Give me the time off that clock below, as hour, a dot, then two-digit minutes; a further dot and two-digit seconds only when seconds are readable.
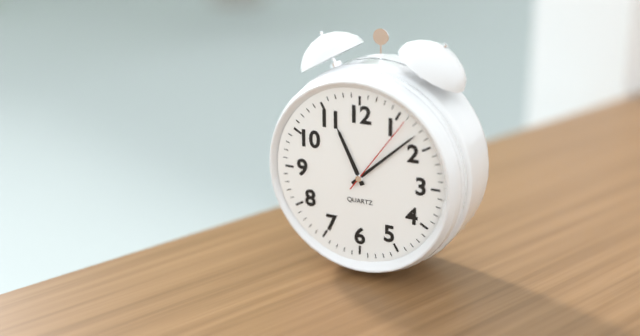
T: 11.08.06
